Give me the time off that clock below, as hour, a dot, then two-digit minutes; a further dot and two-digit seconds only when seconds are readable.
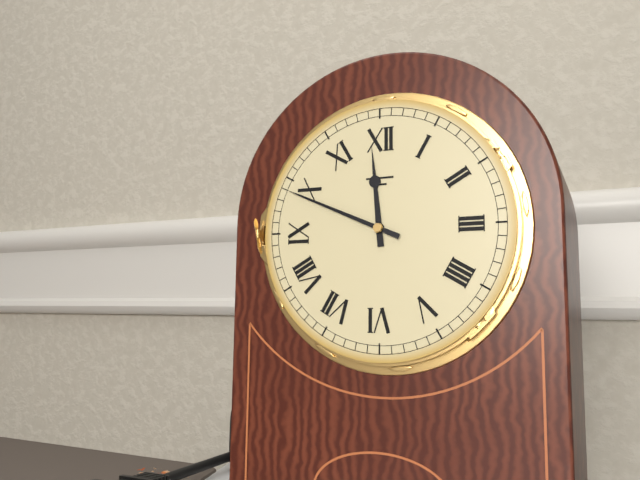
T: 11.49
